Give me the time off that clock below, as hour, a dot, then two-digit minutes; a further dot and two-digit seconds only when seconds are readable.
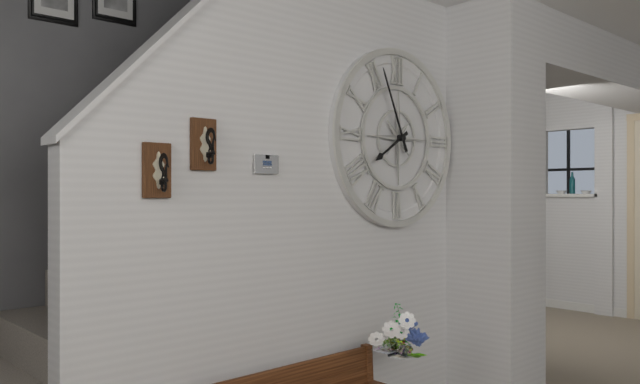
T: 7.56
